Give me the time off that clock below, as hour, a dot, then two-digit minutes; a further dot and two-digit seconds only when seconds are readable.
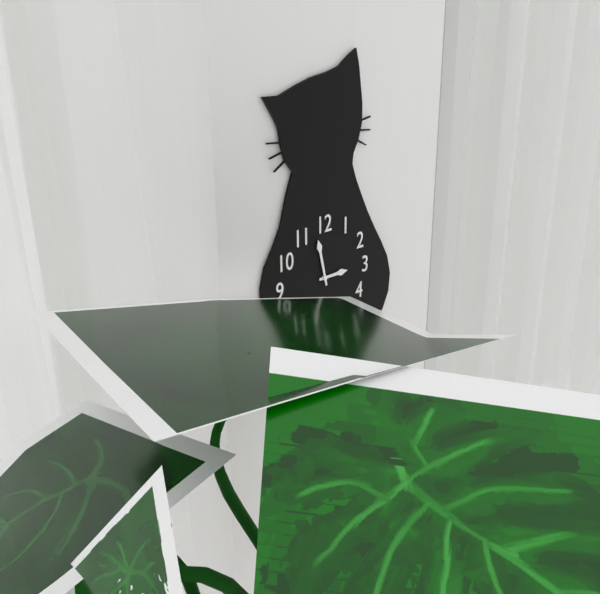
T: 2.58
